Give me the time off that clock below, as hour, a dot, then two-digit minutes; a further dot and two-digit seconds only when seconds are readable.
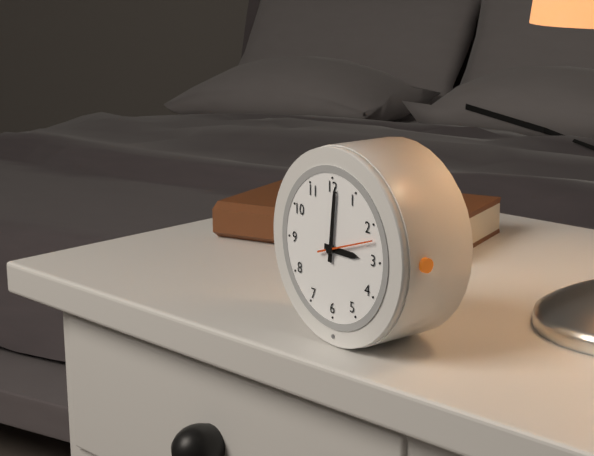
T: 3.01
